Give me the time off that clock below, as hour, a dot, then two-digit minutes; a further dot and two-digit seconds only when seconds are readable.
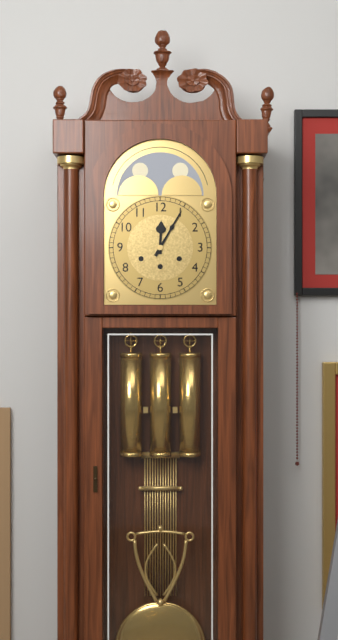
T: 12.05
